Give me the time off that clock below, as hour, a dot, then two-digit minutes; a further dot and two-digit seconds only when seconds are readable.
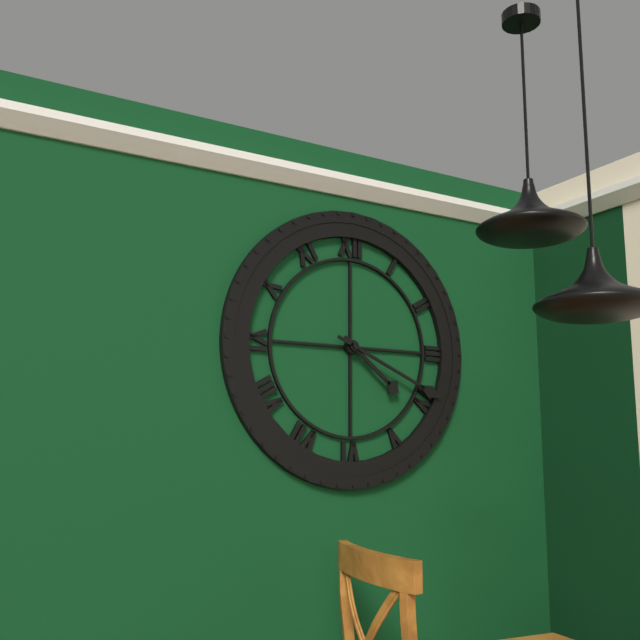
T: 4.19
